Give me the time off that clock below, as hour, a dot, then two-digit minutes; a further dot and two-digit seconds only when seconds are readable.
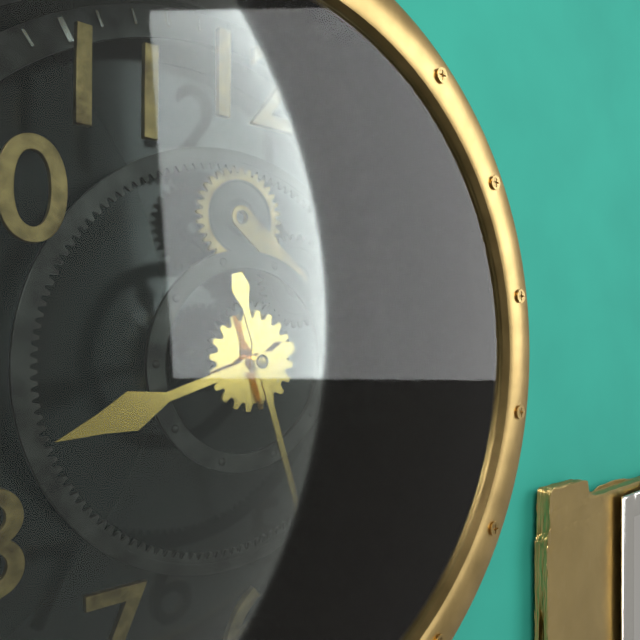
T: 8.27
